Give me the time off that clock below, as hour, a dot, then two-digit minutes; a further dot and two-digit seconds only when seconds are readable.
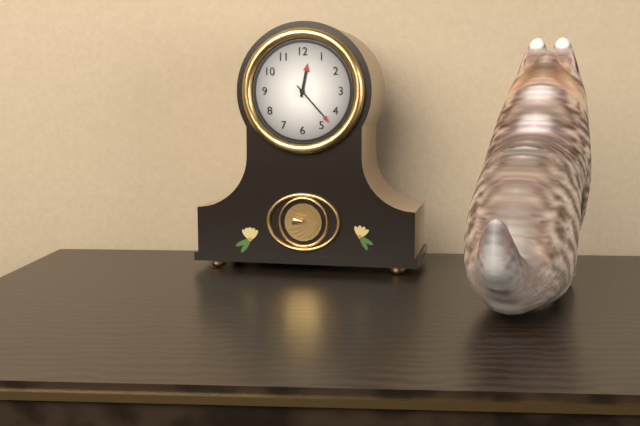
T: 12.23
